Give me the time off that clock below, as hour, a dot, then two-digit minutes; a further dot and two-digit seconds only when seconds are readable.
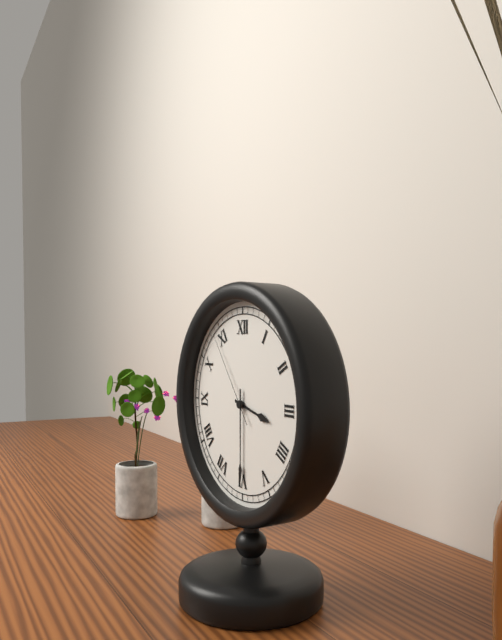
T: 3.30.54
